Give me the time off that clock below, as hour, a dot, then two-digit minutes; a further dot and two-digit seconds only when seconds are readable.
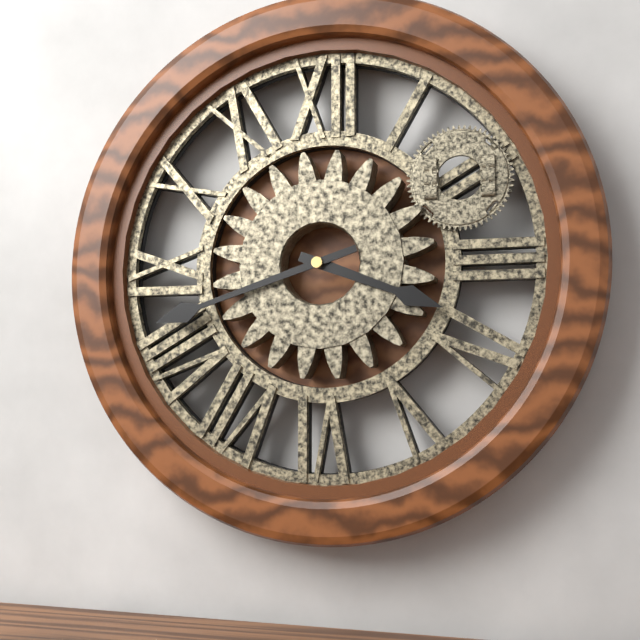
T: 3.42
